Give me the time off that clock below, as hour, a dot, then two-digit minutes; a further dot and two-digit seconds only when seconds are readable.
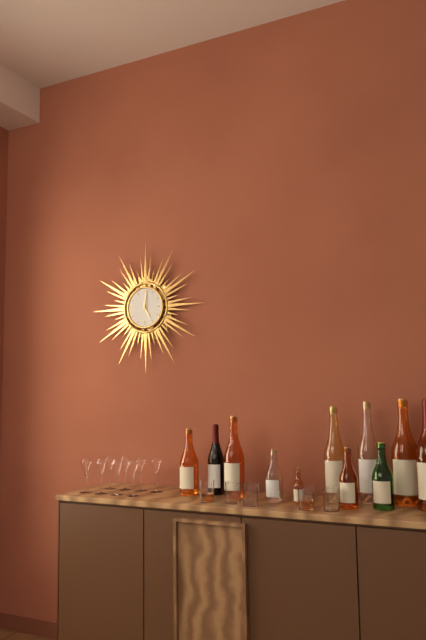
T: 5.01
